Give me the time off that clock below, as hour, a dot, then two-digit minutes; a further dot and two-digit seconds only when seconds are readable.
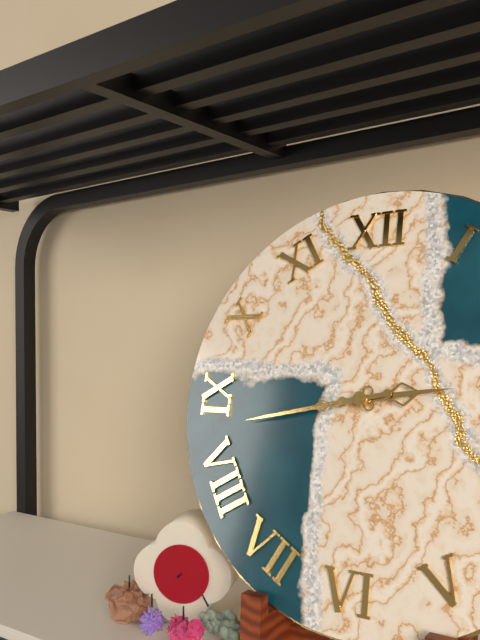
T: 2.43
